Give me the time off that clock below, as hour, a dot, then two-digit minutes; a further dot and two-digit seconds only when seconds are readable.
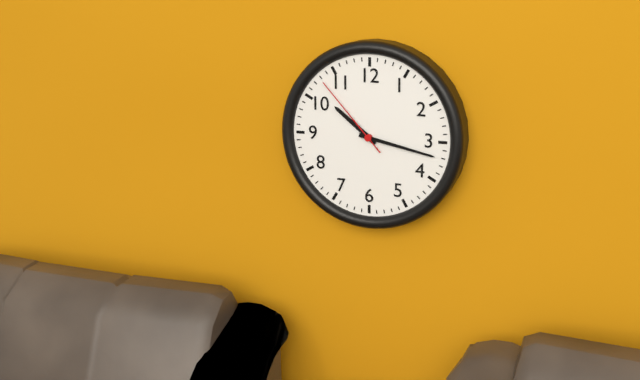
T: 10.17.53
